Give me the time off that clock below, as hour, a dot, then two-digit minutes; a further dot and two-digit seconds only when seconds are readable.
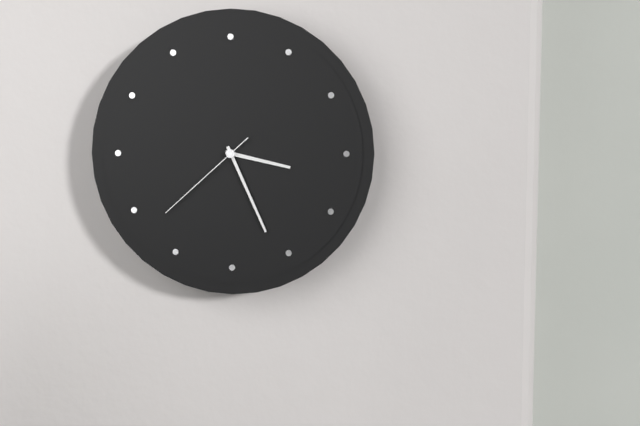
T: 3.26.38
